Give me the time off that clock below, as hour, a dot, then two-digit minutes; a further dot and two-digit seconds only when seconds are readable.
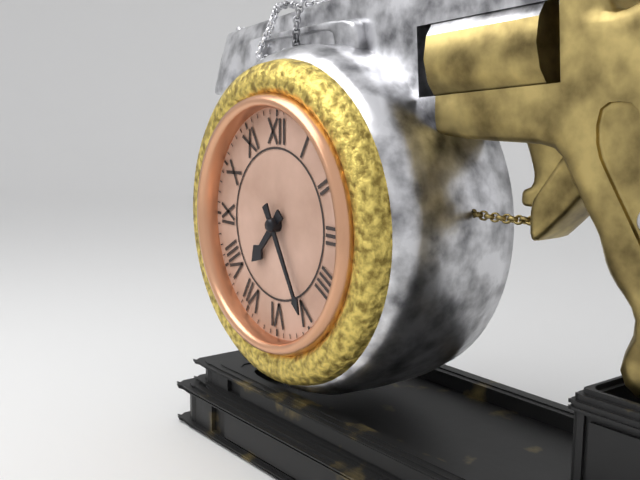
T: 7.25
